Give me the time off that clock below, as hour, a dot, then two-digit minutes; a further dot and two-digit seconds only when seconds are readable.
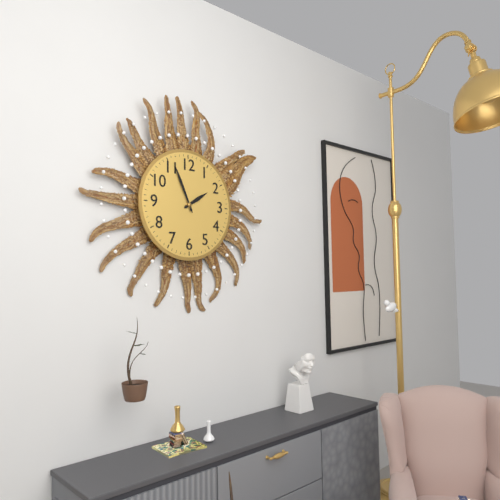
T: 1.56
